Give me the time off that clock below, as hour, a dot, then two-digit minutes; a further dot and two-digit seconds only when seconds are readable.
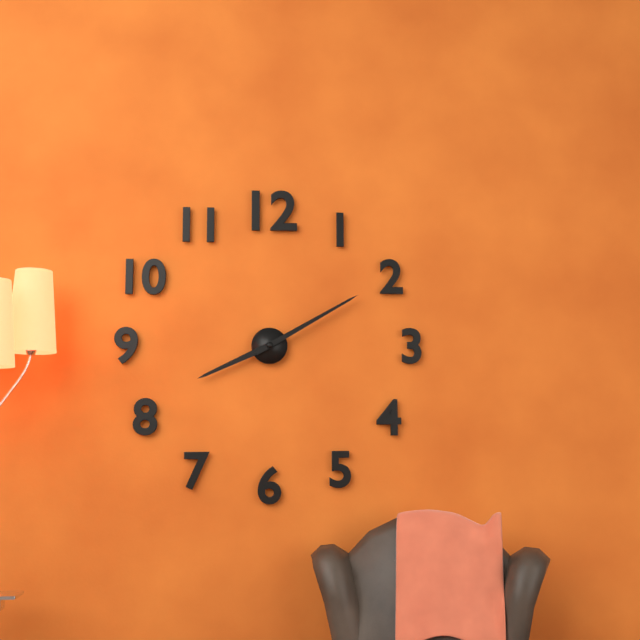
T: 8.10
